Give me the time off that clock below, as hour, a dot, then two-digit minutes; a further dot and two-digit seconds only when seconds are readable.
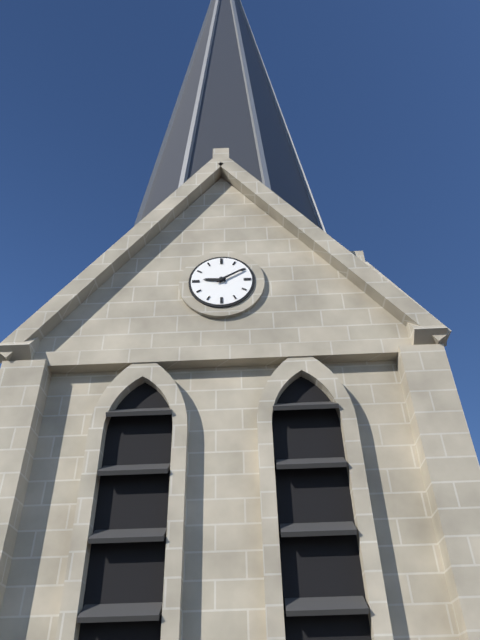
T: 9.10
